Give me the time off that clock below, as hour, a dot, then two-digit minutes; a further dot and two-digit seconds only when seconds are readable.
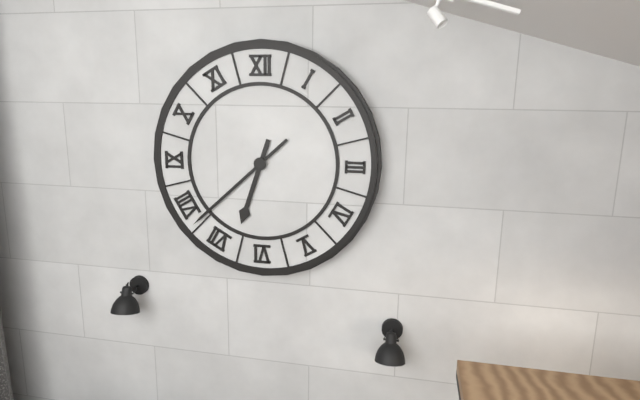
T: 6.38
